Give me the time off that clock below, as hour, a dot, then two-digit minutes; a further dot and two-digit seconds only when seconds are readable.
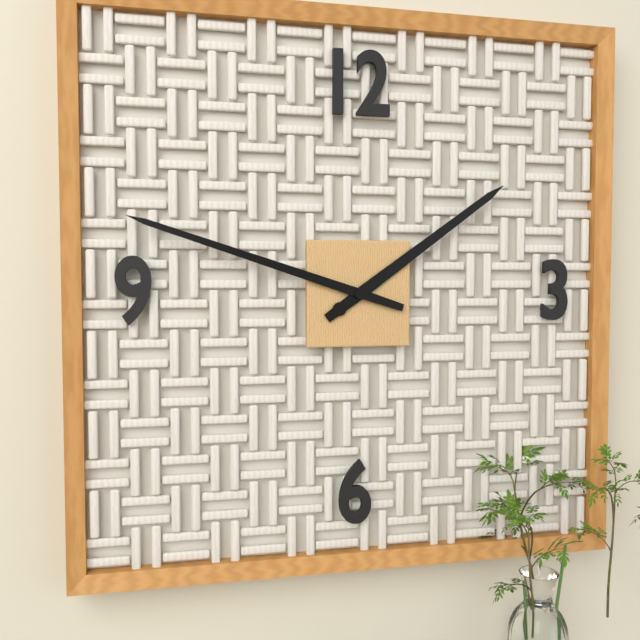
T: 1.48
